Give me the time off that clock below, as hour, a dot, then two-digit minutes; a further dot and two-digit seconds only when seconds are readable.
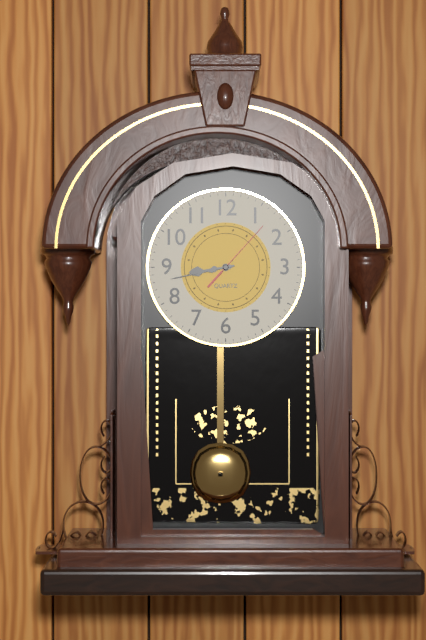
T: 8.43.07
